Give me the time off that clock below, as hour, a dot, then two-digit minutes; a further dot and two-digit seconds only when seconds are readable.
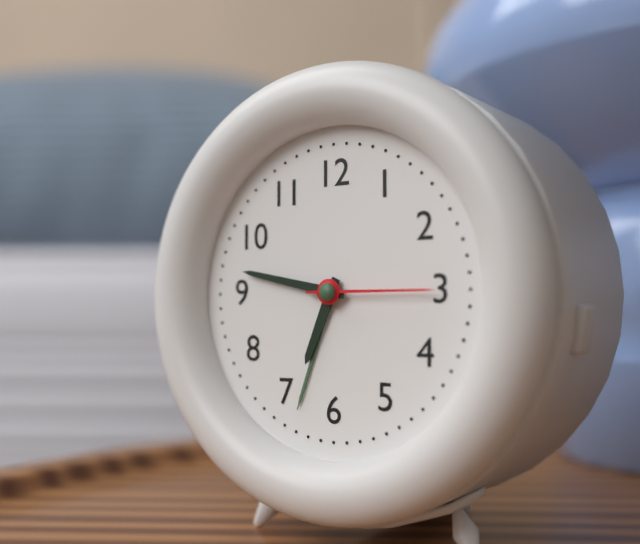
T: 6.47.15
